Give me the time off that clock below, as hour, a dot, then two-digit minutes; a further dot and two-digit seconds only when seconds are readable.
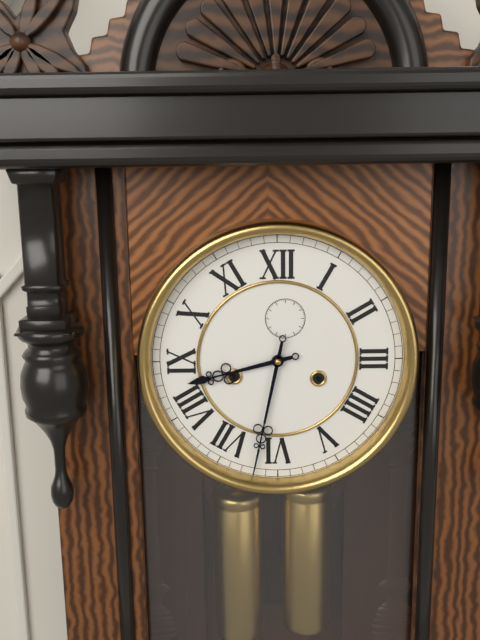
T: 8.32
